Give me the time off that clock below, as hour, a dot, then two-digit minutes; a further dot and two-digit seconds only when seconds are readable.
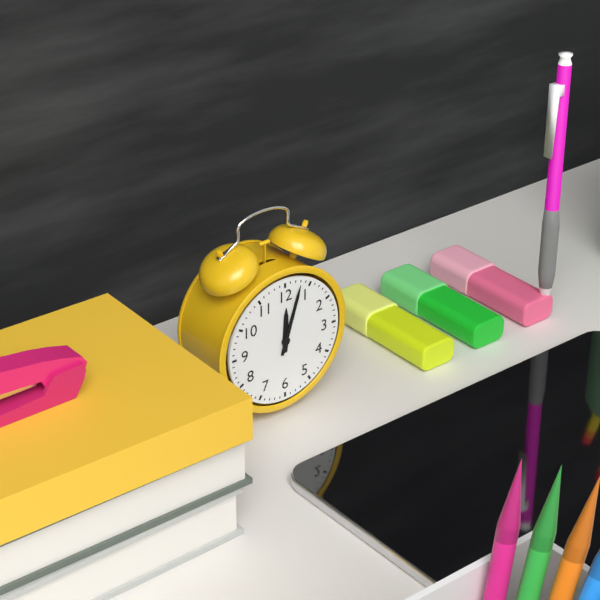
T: 12.03
